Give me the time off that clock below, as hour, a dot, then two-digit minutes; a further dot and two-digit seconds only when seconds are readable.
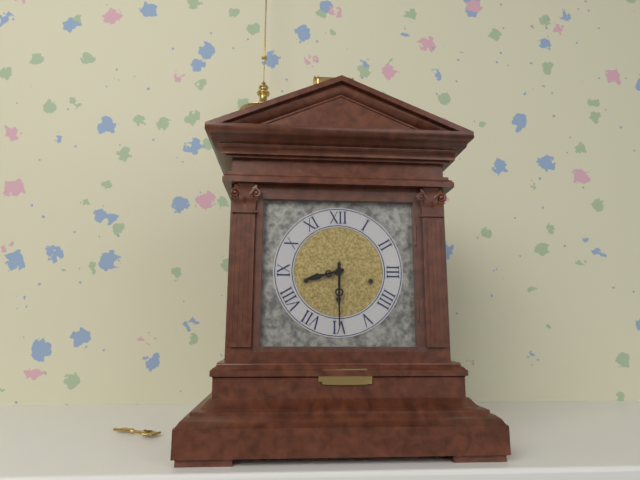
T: 8.30
